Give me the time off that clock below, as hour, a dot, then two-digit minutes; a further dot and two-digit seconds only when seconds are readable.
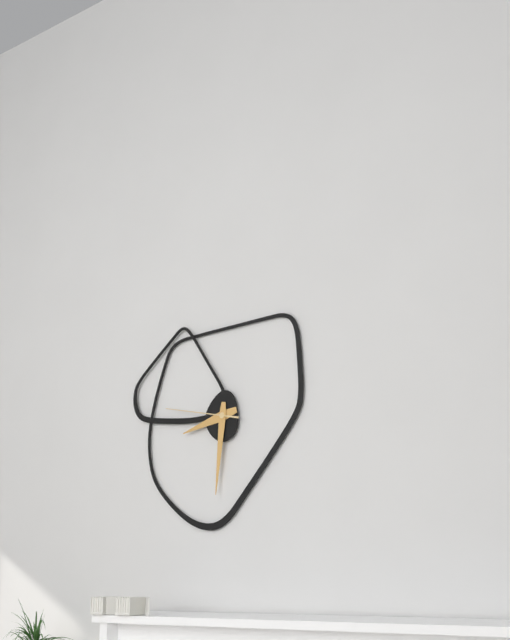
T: 8.31.47
